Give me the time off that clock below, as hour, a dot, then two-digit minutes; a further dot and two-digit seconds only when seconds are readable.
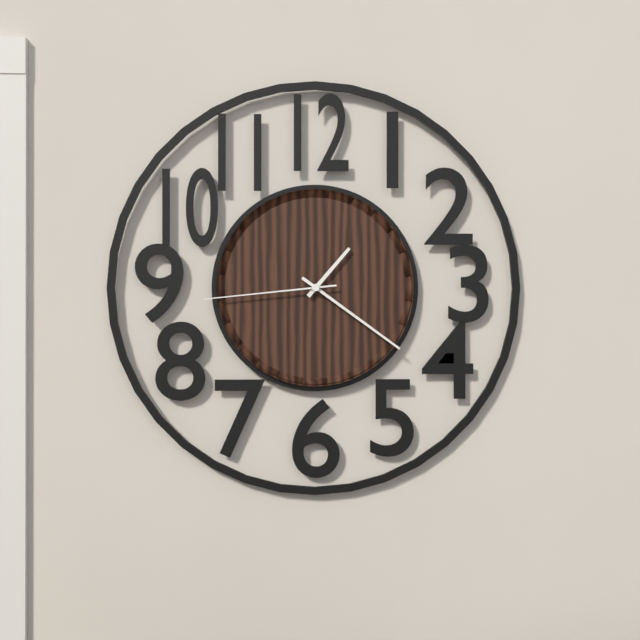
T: 1.21.44
